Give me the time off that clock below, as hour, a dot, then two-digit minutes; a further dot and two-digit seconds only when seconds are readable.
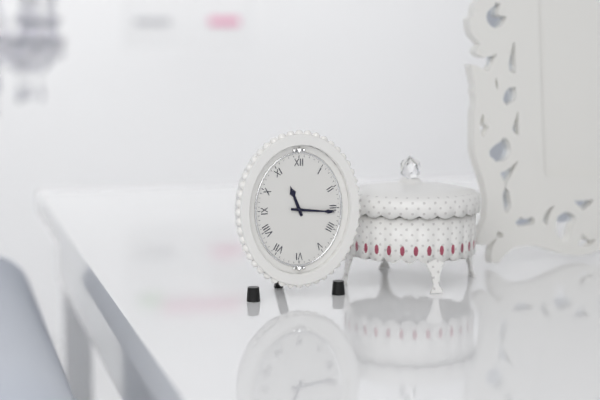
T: 11.16
